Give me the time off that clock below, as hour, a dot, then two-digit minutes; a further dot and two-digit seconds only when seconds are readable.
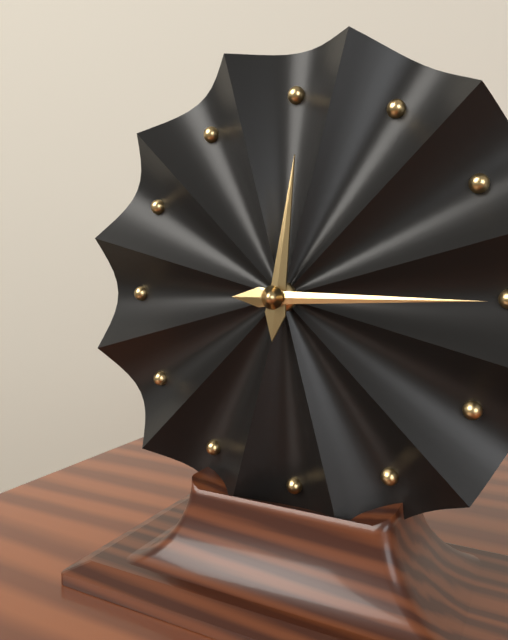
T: 12.15
